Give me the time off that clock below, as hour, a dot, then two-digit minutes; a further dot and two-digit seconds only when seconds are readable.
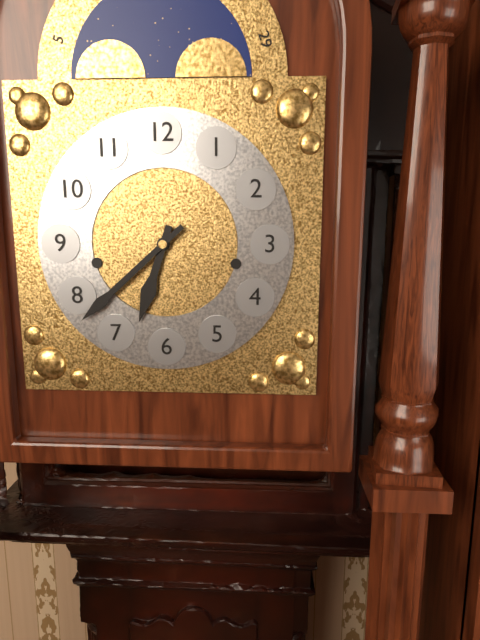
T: 6.38
